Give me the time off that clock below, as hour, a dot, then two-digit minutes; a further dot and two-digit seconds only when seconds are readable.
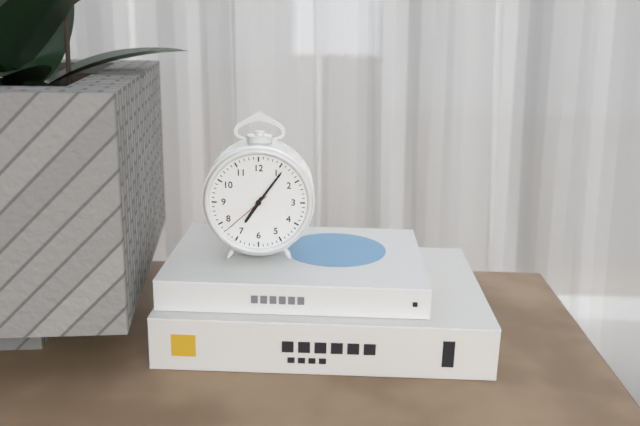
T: 7.06.38
